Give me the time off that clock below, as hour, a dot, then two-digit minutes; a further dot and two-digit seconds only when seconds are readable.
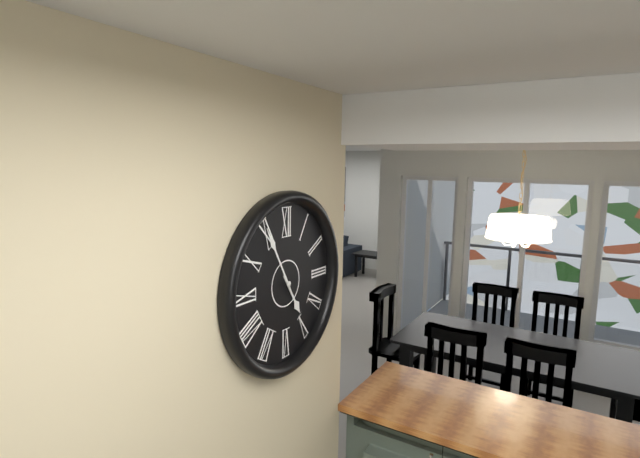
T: 4.55
